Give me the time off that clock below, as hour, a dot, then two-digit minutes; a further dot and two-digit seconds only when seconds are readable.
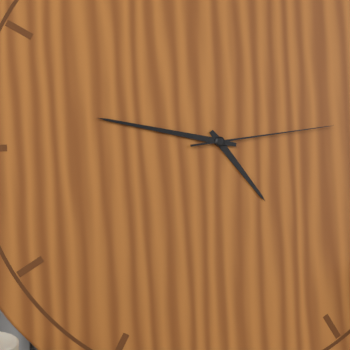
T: 4.47.14
